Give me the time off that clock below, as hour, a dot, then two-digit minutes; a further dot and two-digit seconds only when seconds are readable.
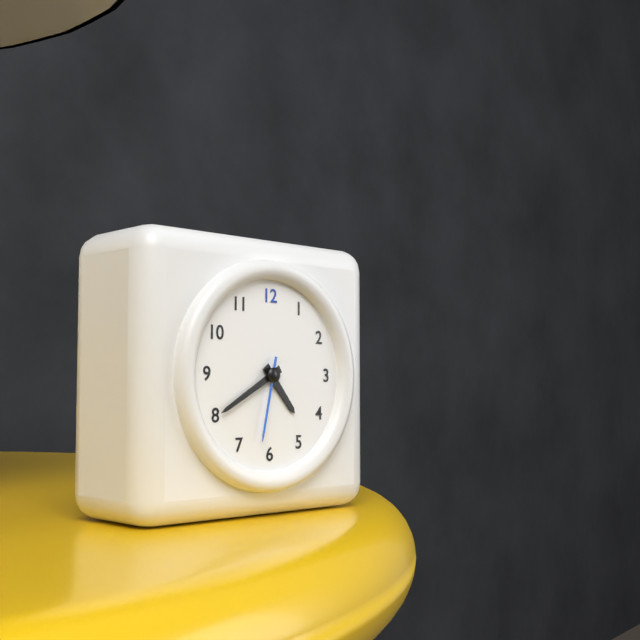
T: 4.40.32
